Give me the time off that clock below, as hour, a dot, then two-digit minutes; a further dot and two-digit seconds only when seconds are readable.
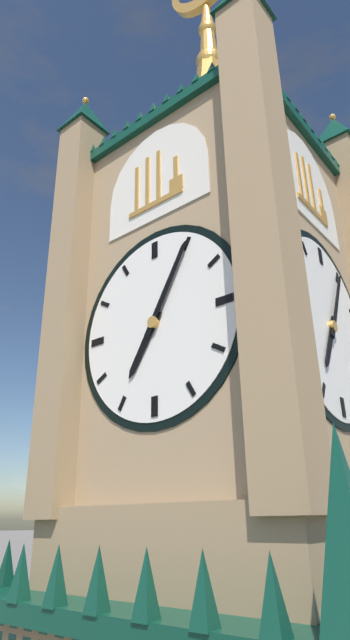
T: 7.05
